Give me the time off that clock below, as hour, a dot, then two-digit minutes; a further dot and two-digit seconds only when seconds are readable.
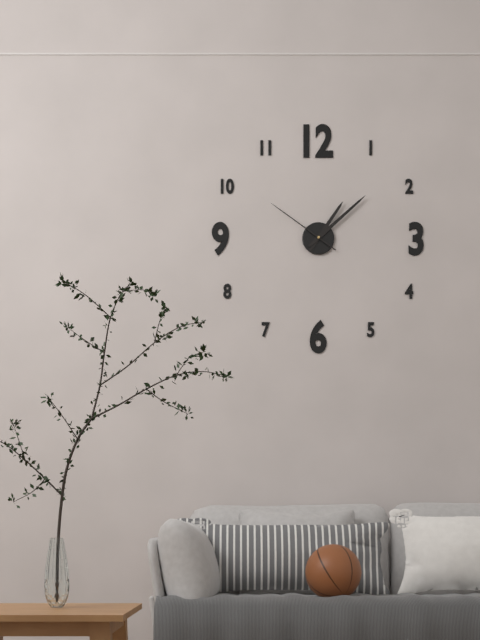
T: 1.08.51
